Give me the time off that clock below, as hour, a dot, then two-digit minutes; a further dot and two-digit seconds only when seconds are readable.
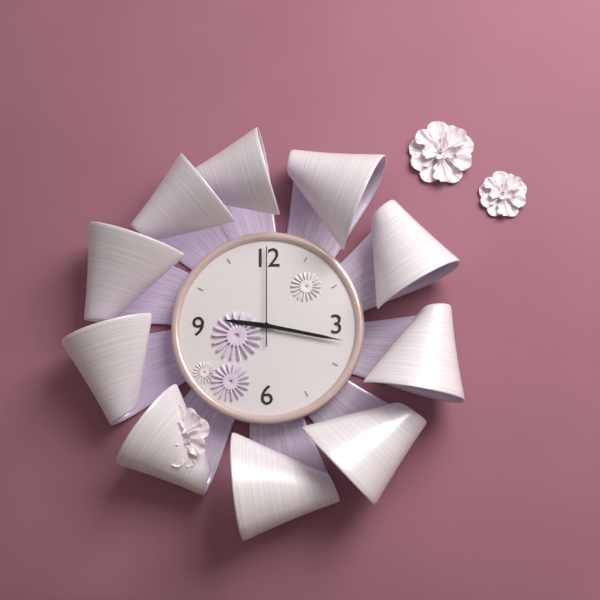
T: 9.17.00
